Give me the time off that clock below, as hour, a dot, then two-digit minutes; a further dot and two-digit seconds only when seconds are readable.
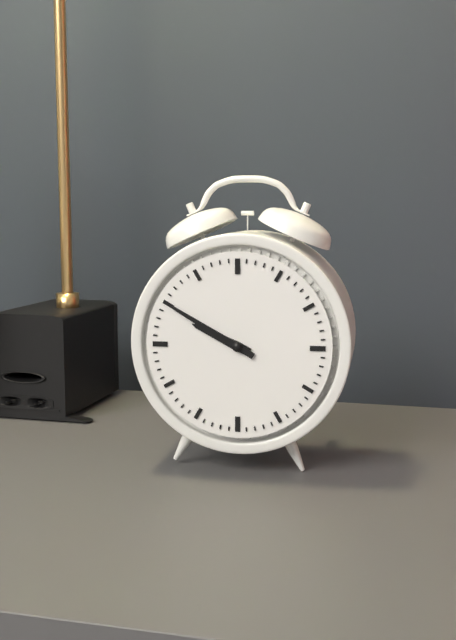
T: 9.50
